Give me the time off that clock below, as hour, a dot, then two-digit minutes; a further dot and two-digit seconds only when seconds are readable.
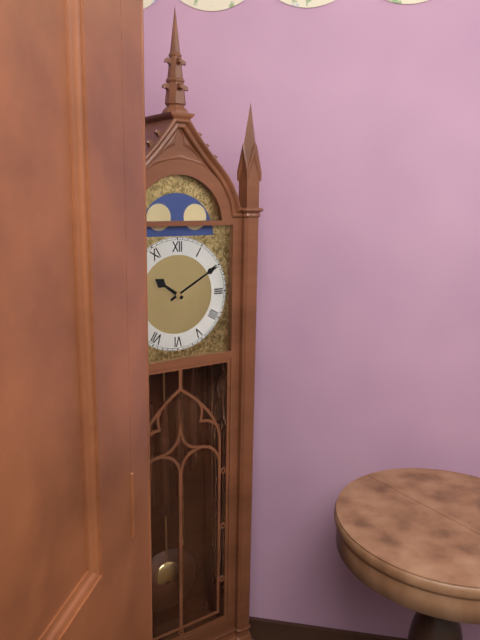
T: 10.10
